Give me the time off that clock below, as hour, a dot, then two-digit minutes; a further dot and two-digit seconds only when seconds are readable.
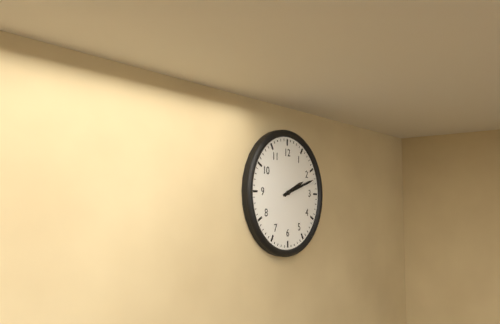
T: 2.12
